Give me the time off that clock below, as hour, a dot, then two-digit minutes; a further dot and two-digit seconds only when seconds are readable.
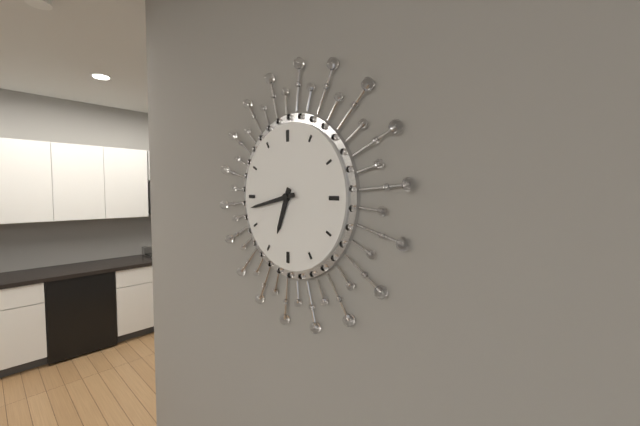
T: 6.43
